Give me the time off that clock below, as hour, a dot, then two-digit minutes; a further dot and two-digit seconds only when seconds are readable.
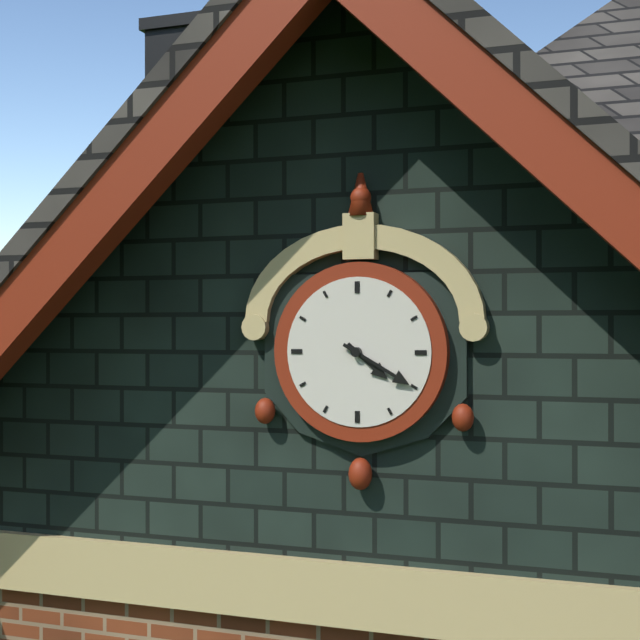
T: 4.20
